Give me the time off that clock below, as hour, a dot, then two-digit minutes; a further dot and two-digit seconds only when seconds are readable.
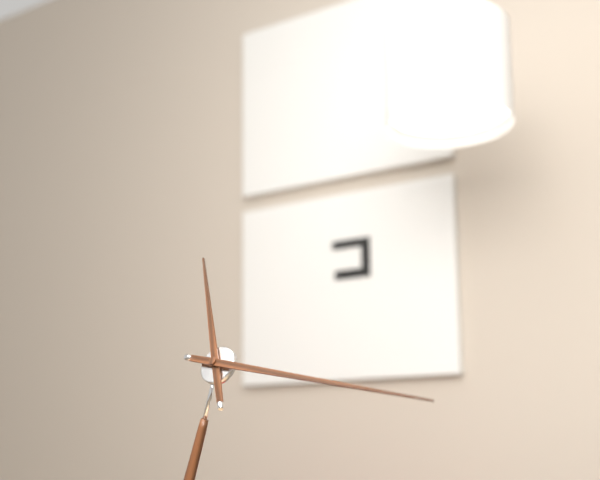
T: 11.17
